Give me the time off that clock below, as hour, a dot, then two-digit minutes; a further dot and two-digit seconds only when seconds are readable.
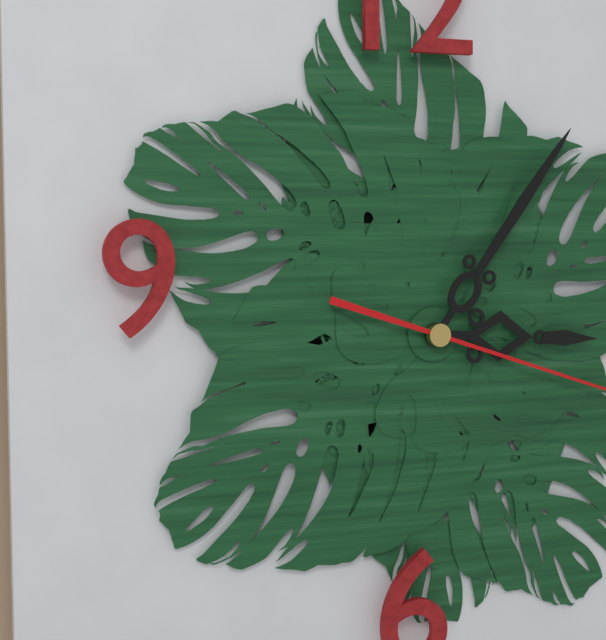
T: 3.06
